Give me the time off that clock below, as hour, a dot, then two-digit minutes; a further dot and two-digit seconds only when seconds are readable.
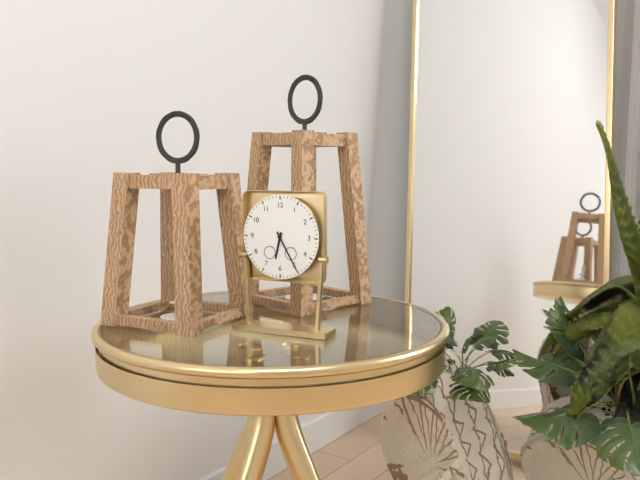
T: 6.25
